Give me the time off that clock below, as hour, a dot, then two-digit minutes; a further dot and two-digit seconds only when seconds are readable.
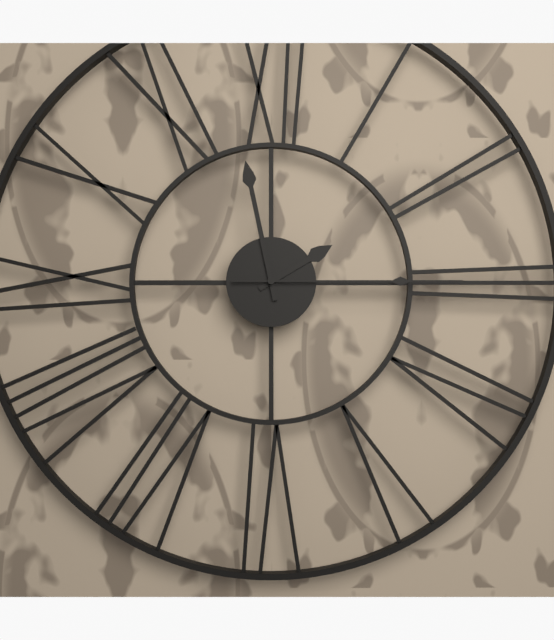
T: 1.58.15
